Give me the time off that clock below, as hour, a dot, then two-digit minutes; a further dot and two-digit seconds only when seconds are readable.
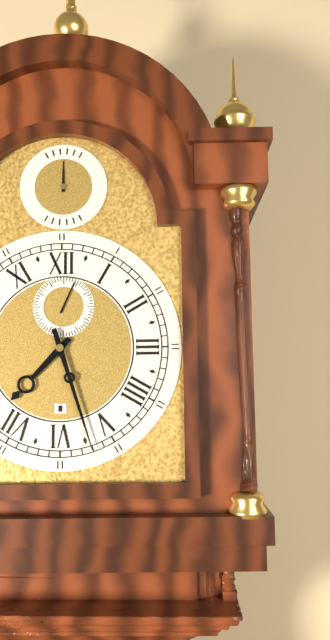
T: 7.27
